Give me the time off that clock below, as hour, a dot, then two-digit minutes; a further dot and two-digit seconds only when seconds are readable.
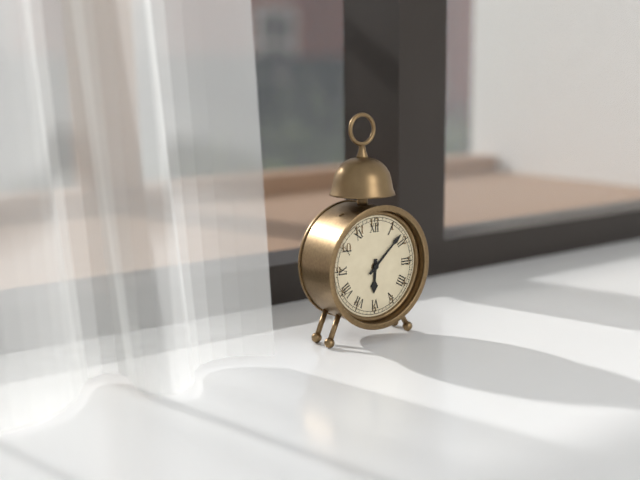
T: 6.08
